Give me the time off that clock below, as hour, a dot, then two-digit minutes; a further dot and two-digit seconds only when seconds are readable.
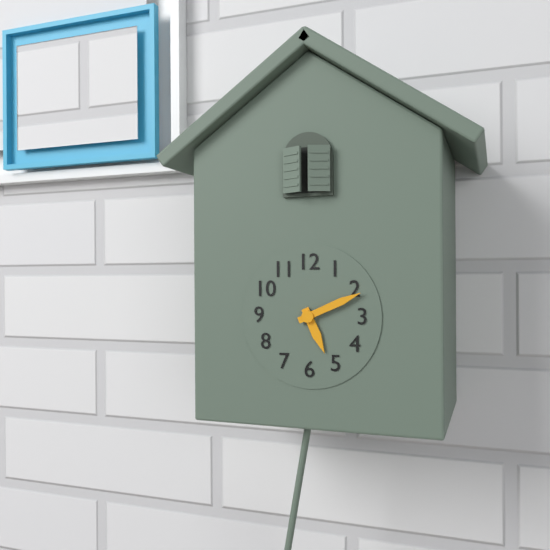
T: 5.11
